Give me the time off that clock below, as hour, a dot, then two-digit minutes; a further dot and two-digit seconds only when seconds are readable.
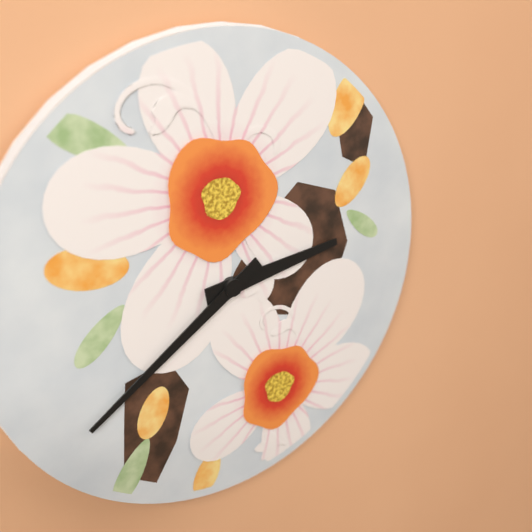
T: 2.39
